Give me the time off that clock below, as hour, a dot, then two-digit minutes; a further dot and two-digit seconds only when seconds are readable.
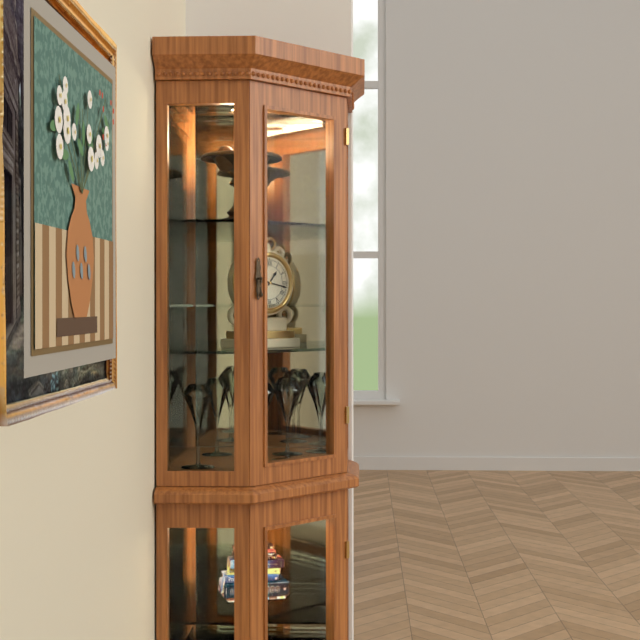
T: 1.17
